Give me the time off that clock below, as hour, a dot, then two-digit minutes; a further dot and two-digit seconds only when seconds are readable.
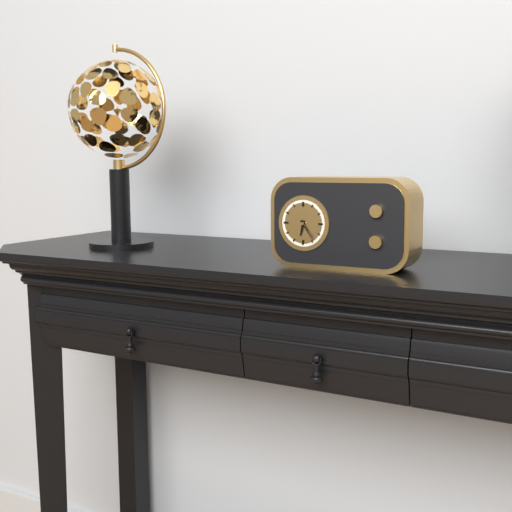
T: 6.24
